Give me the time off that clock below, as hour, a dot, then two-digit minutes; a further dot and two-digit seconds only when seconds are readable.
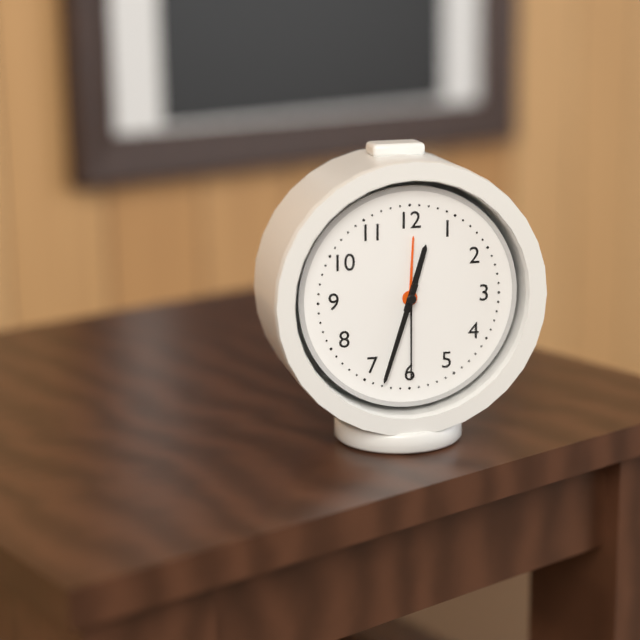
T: 12.33.30
